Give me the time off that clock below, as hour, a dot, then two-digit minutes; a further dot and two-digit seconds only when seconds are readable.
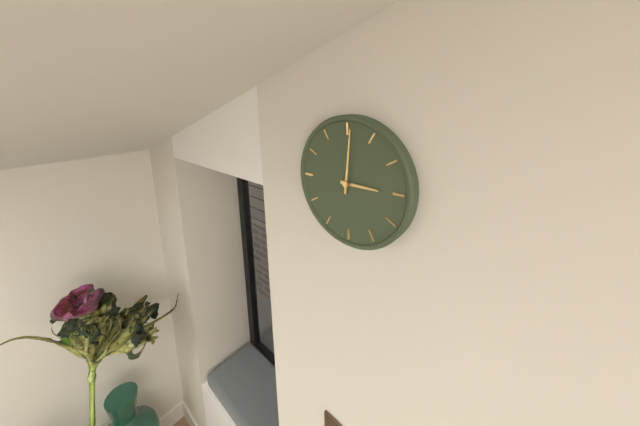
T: 3.01
